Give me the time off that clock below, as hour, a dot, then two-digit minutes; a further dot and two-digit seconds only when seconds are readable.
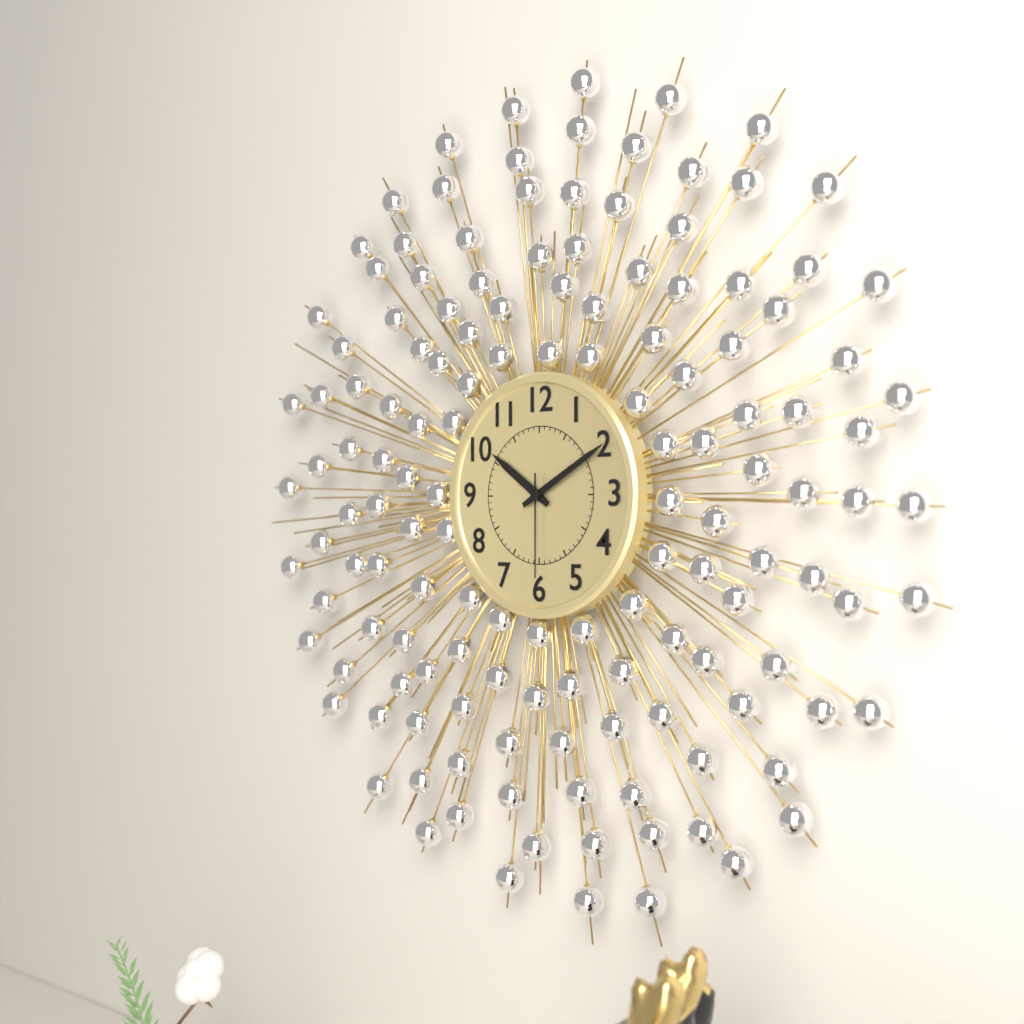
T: 10.10.30
